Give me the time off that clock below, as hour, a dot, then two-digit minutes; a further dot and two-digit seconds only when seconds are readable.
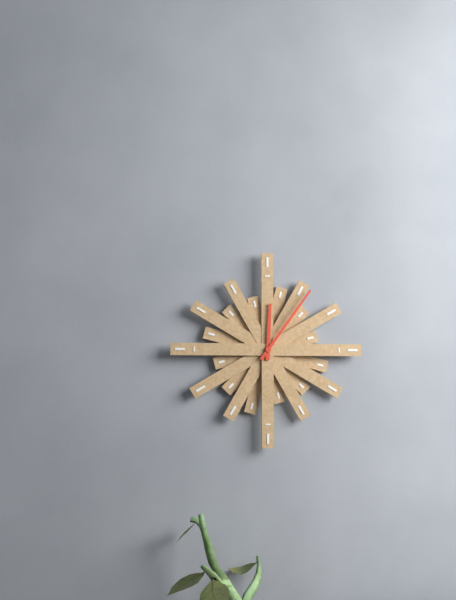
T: 12.06
